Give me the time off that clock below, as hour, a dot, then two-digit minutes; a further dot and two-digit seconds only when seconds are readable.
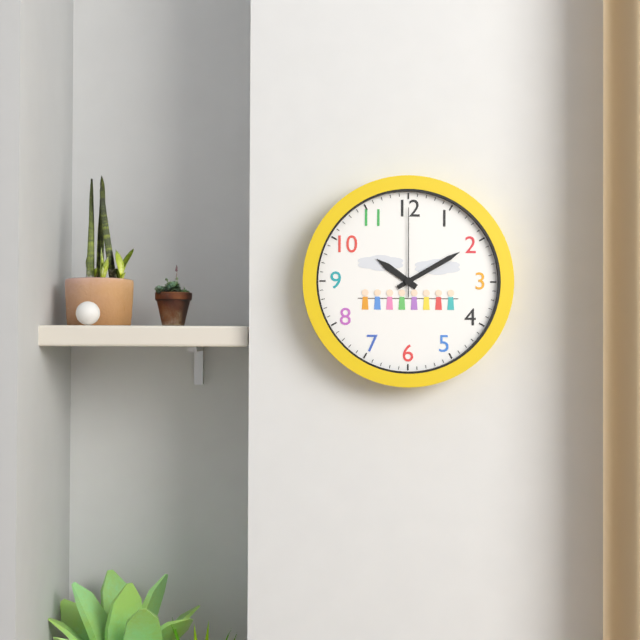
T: 10.10.00
